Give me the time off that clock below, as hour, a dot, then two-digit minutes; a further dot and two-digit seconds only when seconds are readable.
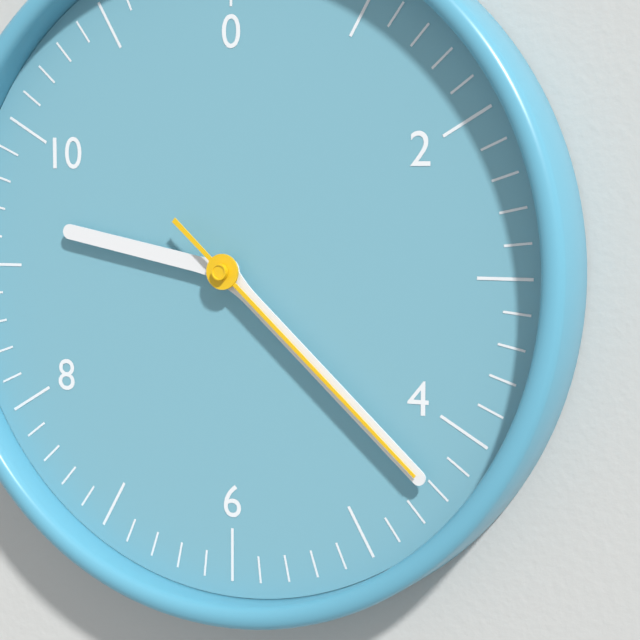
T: 9.22.22
